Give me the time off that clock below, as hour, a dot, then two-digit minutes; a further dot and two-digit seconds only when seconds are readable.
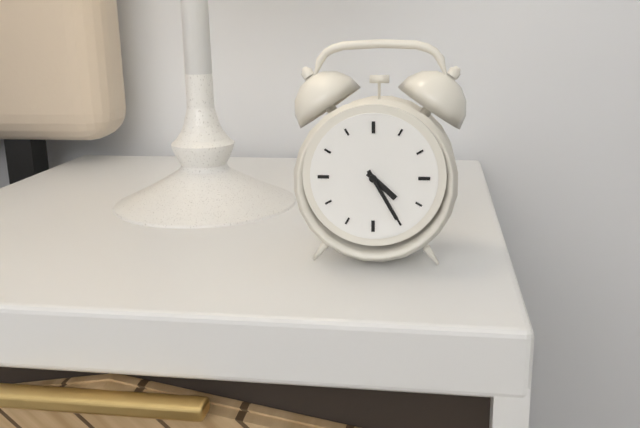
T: 4.25
